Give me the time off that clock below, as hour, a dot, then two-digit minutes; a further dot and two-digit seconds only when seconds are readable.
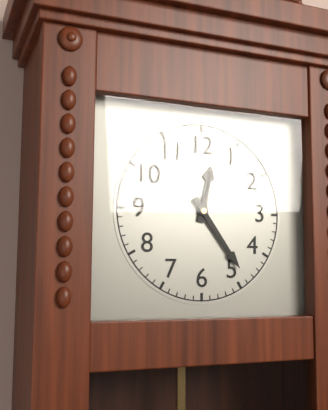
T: 12.24
